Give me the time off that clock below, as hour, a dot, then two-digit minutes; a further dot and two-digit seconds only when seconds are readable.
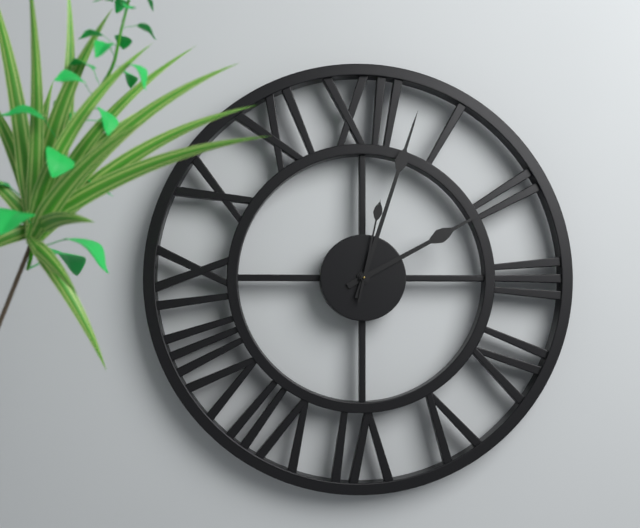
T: 2.03.02
